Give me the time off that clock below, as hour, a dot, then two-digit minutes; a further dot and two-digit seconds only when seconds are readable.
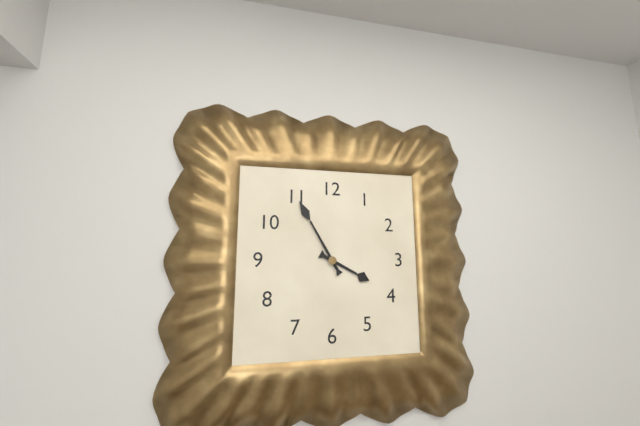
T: 3.55
